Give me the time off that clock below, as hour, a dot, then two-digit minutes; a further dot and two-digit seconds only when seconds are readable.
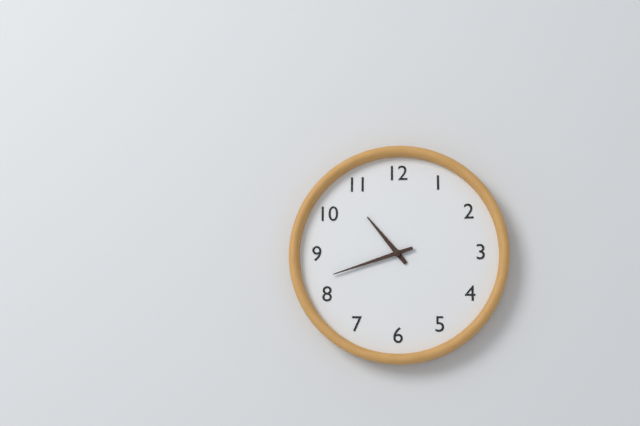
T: 10.42
